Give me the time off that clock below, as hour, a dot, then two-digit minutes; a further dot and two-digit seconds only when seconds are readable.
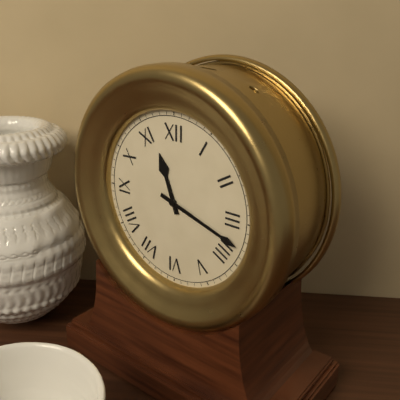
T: 11.18
